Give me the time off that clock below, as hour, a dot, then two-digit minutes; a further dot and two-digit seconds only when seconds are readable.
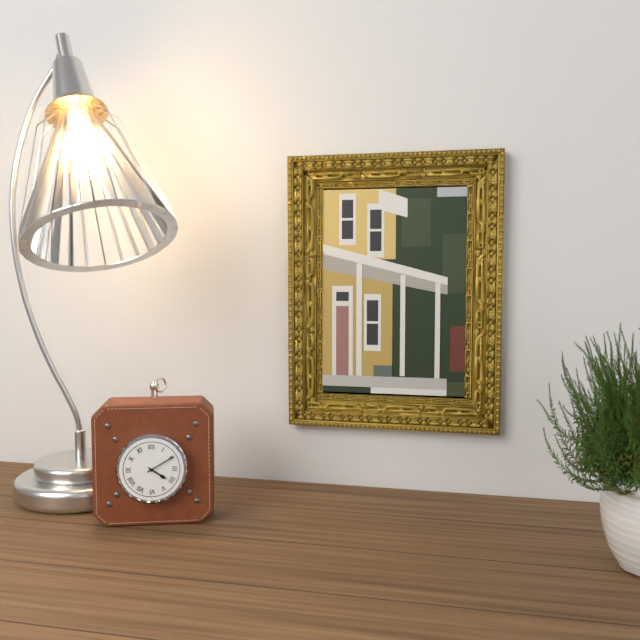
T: 4.10
